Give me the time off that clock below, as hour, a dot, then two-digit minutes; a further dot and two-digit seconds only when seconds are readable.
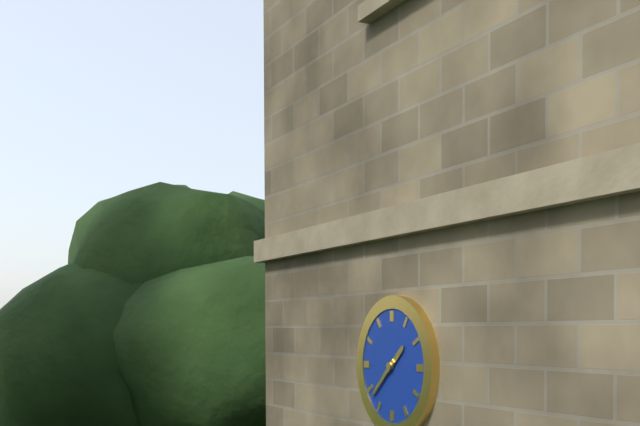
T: 1.38
